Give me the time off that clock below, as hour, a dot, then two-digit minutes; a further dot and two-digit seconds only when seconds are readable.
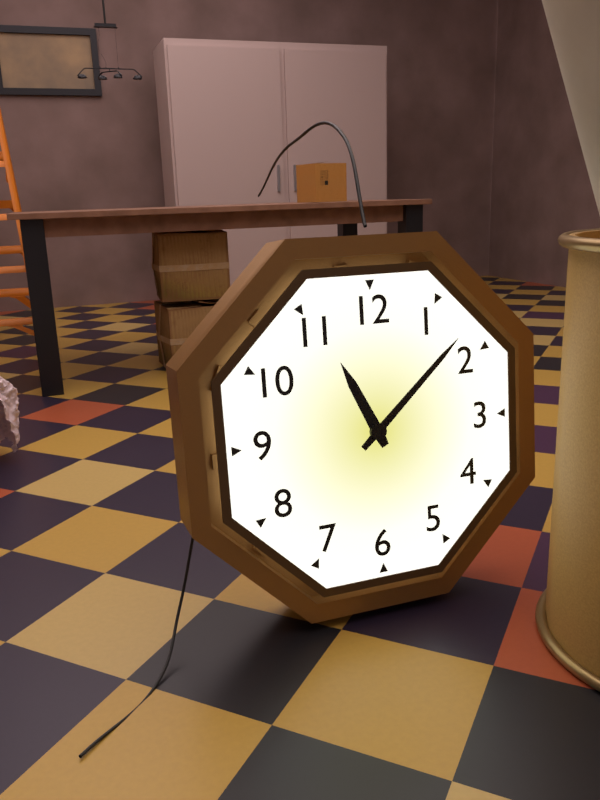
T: 11.08
